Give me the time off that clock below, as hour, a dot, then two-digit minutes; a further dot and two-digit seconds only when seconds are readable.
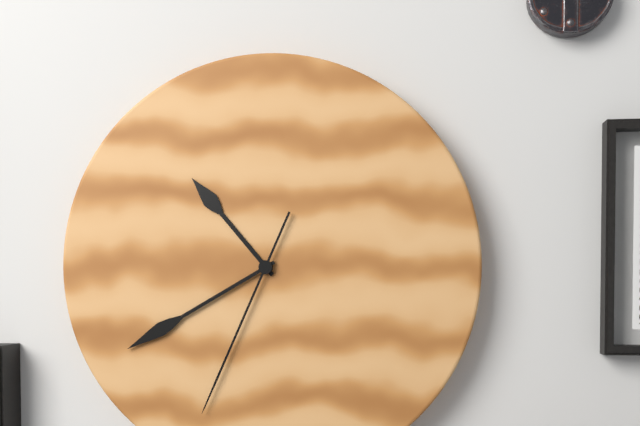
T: 10.40.34
